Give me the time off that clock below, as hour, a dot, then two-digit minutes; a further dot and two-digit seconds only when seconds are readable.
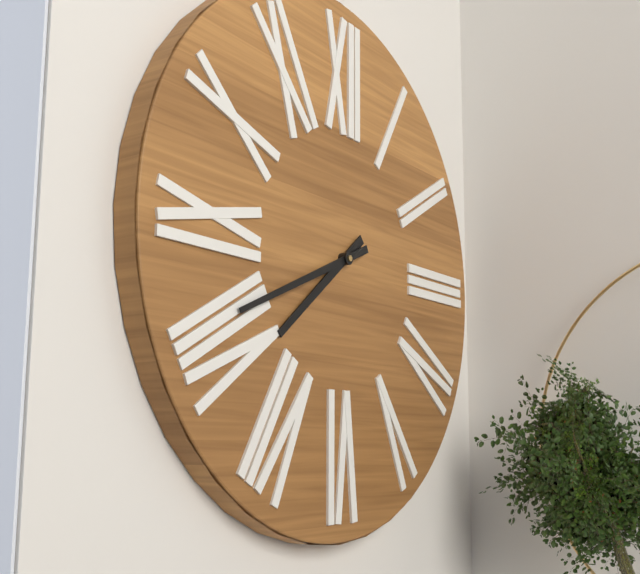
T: 7.41
